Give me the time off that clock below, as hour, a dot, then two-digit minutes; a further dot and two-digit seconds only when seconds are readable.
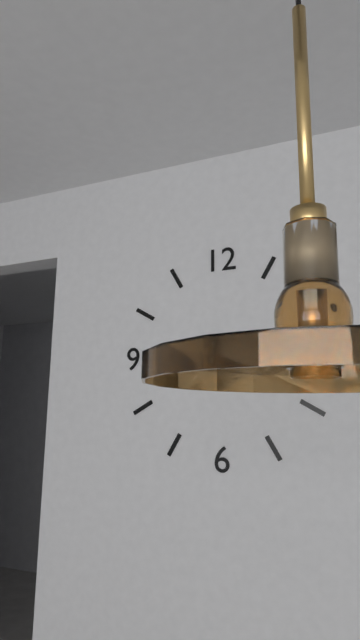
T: 9.11
